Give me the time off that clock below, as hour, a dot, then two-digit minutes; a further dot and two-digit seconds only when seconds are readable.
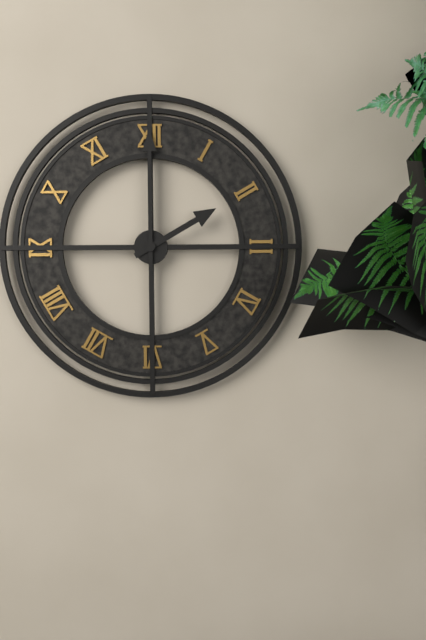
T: 2.00
